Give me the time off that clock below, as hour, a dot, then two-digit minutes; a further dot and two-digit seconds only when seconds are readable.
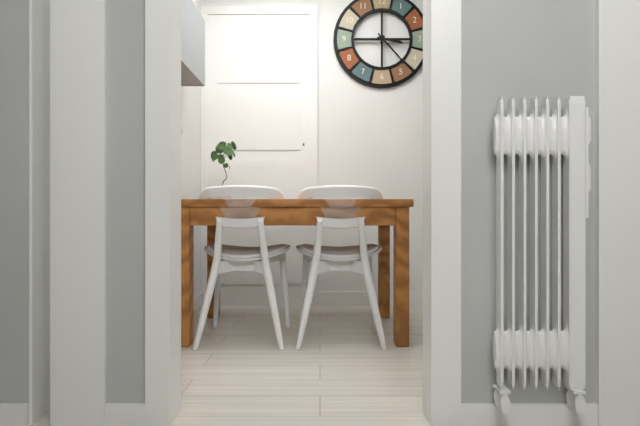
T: 3.23
